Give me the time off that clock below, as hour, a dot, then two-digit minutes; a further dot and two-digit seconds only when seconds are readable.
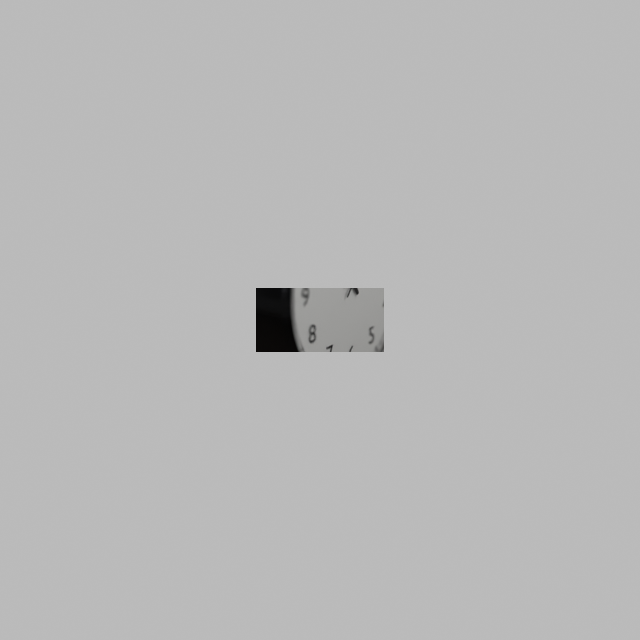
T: 2.55.07
